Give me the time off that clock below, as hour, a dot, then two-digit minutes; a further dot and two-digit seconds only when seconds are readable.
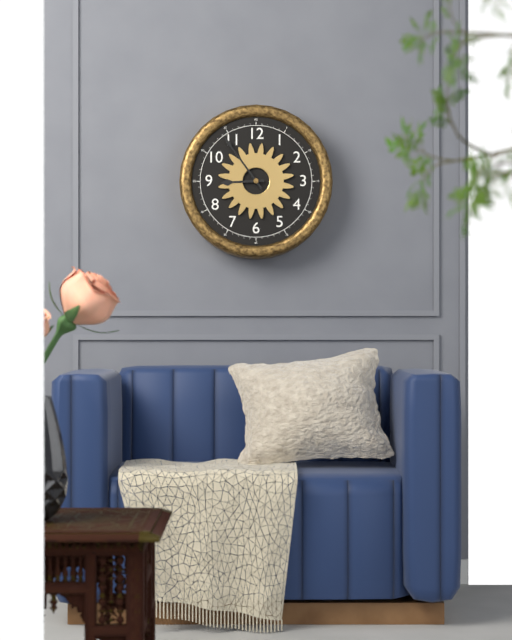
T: 8.54
